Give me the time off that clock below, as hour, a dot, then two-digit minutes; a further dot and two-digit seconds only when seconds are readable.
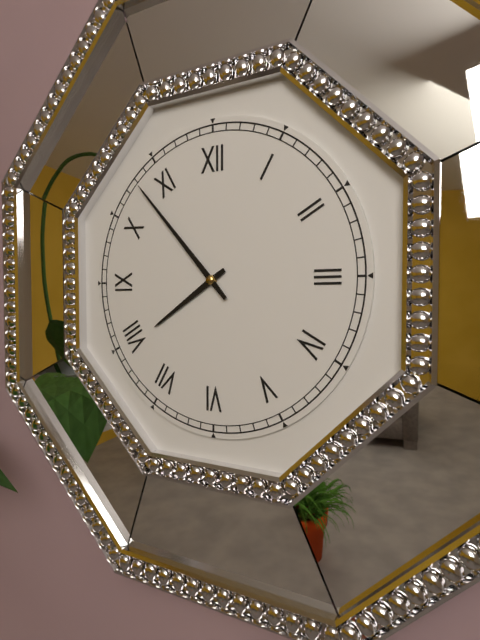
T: 7.53
